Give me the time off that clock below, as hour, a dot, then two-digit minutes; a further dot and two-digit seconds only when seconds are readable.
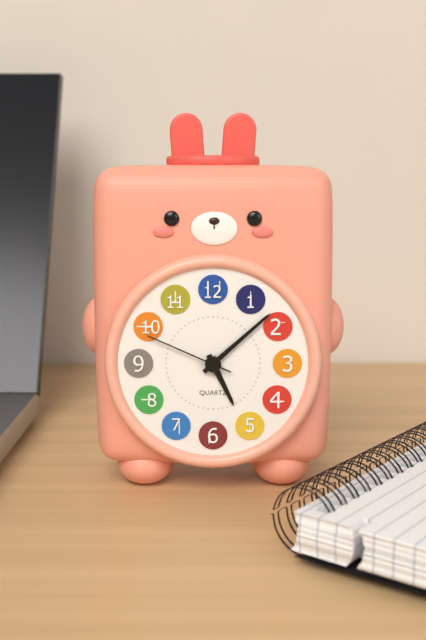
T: 5.08.49
